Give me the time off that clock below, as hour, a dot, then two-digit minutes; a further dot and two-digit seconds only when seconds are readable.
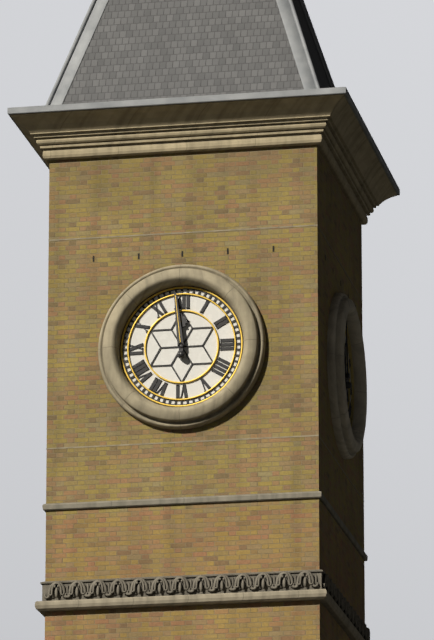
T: 11.59
